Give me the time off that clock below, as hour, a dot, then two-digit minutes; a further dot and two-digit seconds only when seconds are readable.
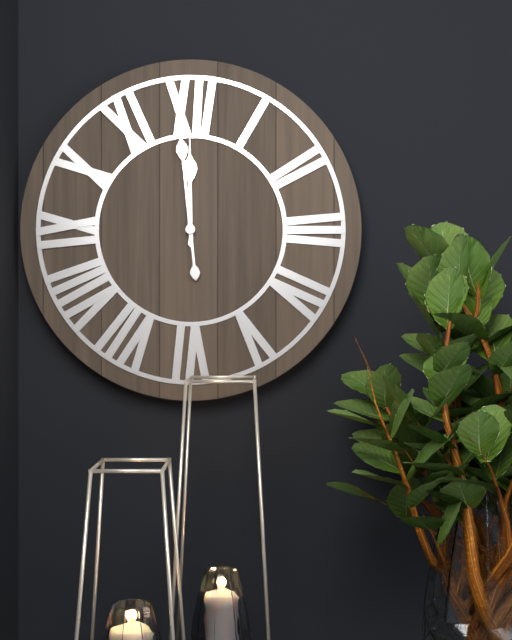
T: 11.59
